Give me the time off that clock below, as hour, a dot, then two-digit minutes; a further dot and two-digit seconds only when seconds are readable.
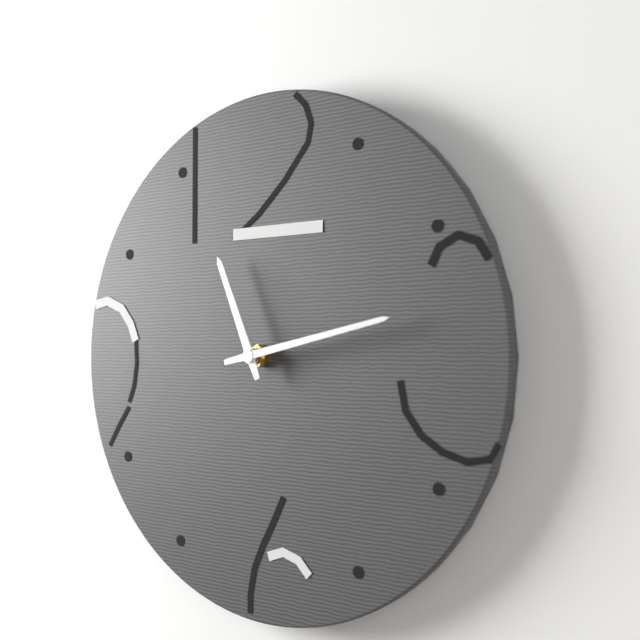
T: 11.13
